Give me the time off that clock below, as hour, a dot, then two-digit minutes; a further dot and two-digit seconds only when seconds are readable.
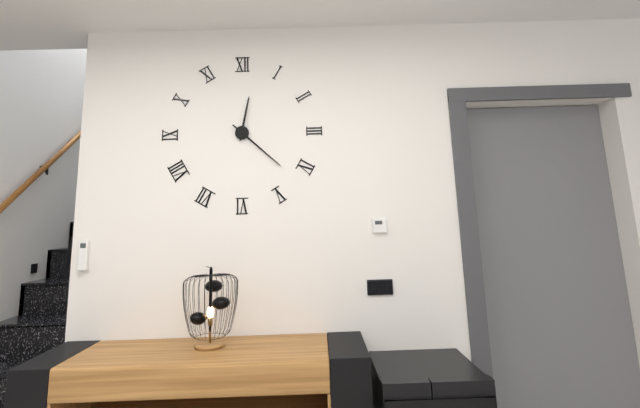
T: 12.22
